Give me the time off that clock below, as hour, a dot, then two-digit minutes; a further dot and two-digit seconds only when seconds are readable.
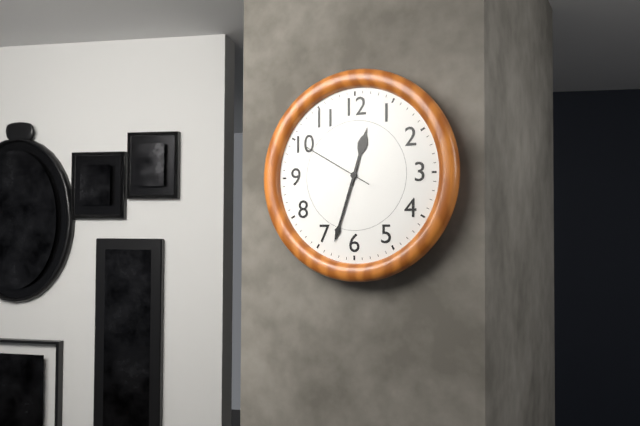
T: 12.33.50
